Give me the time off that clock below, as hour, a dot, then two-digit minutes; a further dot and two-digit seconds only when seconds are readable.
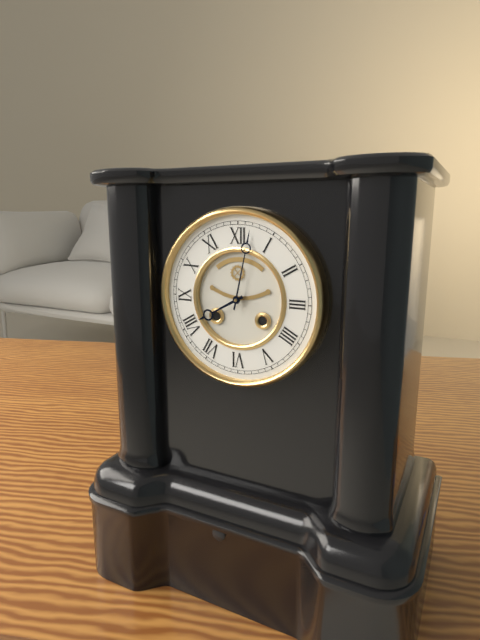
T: 8.02
